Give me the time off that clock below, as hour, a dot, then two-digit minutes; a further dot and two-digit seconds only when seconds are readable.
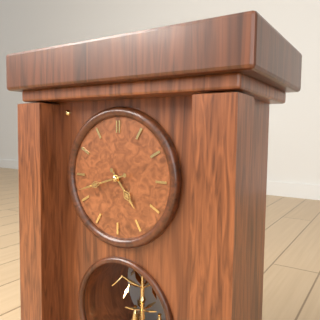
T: 4.42
